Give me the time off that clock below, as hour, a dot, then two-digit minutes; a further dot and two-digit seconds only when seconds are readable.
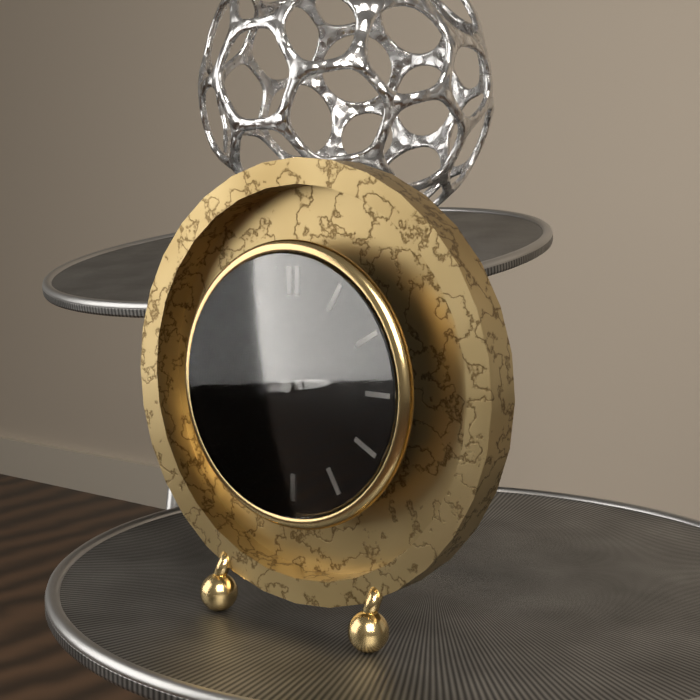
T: 2.43
